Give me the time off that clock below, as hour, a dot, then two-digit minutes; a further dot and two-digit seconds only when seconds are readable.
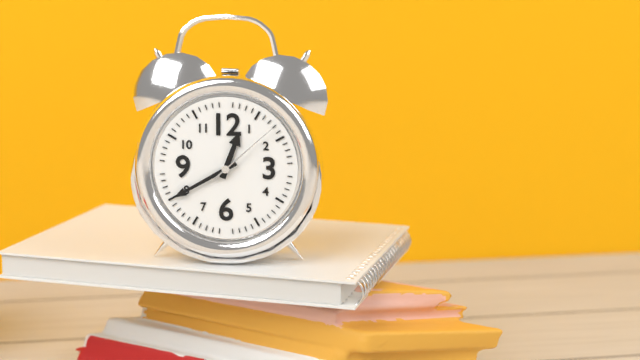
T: 12.40.08
